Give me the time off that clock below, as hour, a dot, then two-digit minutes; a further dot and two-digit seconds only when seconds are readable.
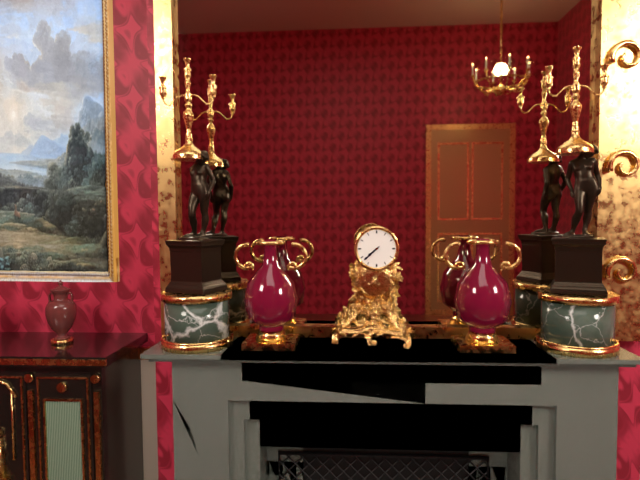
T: 7.38
